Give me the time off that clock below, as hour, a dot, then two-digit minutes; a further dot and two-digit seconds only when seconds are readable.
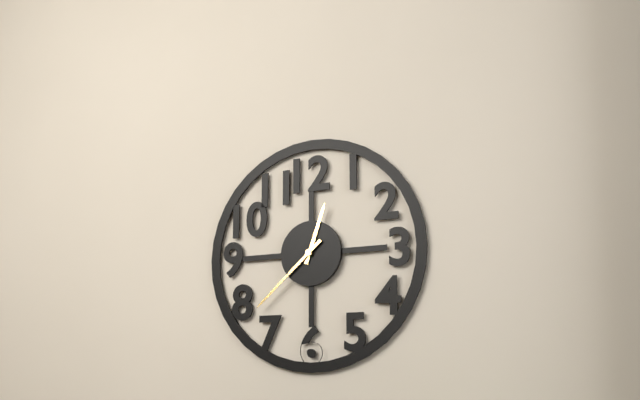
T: 12.38
